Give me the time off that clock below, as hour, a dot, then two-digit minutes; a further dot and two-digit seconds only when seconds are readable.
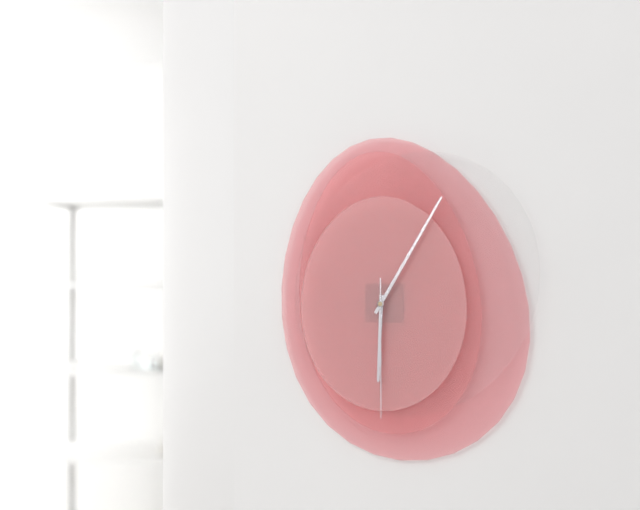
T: 6.05.30
